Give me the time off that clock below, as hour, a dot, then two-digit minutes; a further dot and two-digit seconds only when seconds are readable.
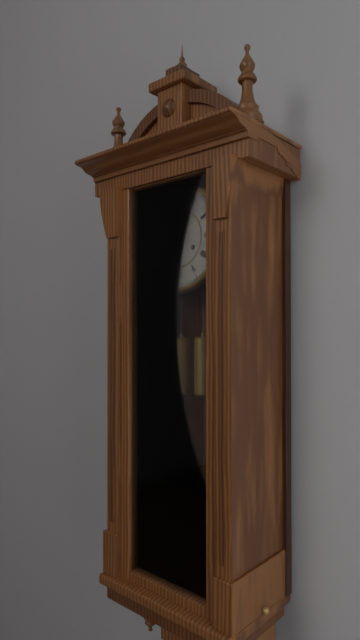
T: 7.02
